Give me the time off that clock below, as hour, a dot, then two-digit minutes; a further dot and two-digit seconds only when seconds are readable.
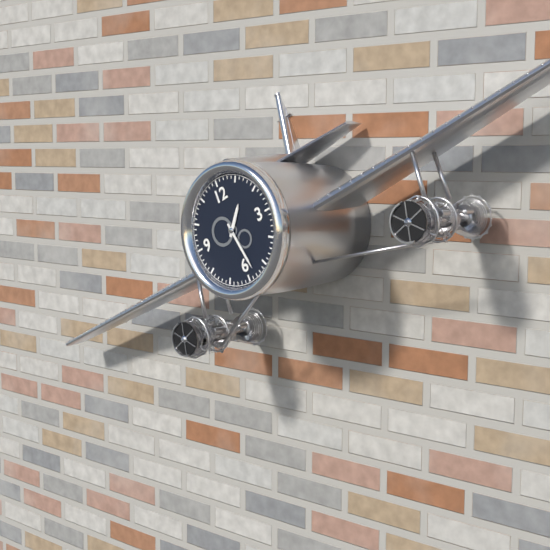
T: 1.28
